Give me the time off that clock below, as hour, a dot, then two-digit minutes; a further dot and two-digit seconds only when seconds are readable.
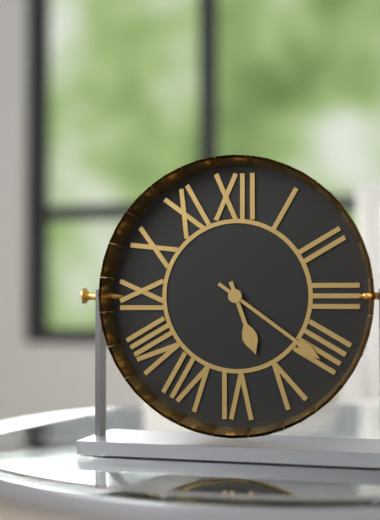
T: 5.21
